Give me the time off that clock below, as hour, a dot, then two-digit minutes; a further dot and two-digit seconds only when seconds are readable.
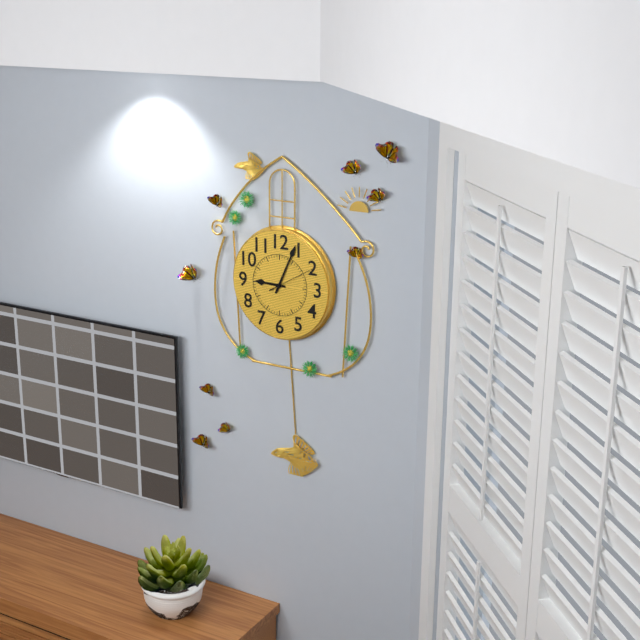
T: 9.04.10
